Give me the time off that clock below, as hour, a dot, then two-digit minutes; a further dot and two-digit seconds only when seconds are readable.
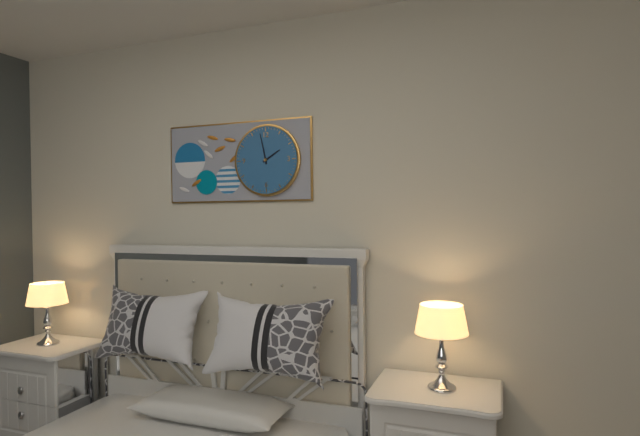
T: 1.58
